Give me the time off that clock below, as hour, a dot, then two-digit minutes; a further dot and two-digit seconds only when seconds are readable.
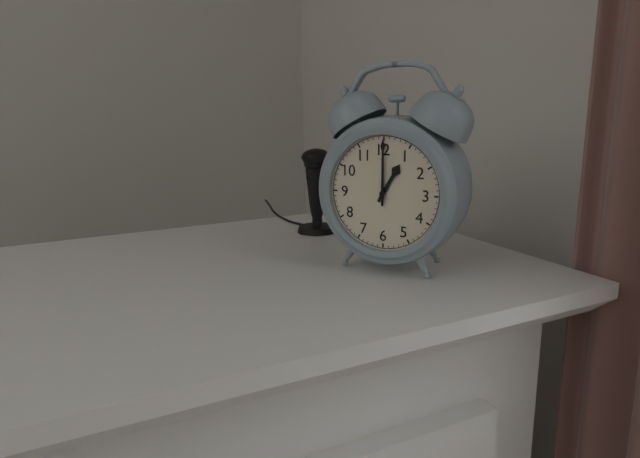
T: 1.00
